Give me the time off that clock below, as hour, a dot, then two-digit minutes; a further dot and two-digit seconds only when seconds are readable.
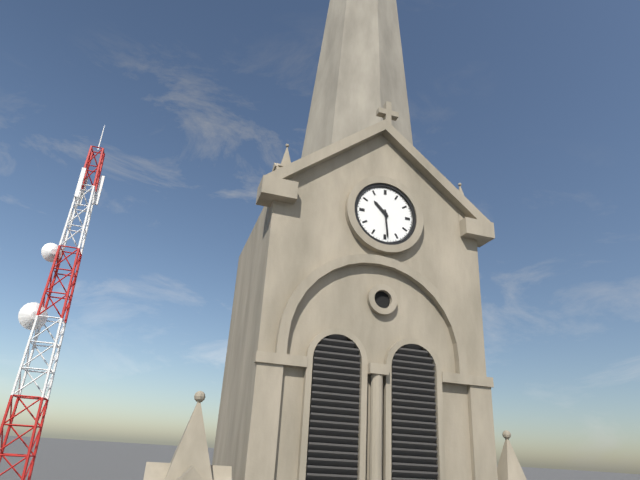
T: 10.29
